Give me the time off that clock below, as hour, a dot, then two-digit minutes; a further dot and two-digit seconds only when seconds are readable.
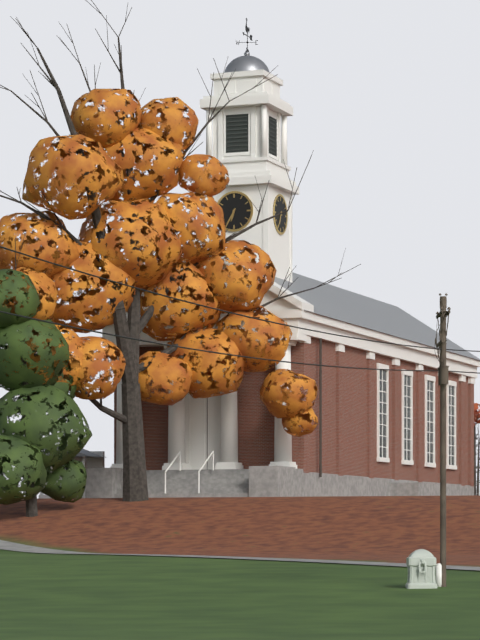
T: 6.35
